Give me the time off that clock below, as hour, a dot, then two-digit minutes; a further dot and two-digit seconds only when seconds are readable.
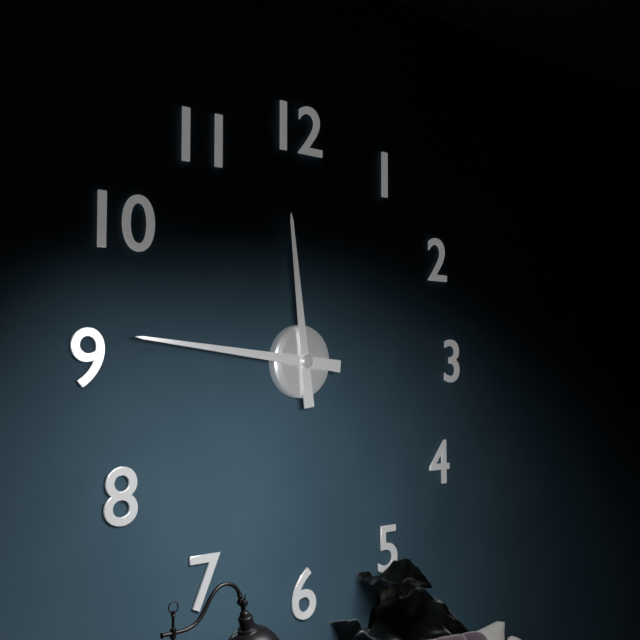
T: 11.46
